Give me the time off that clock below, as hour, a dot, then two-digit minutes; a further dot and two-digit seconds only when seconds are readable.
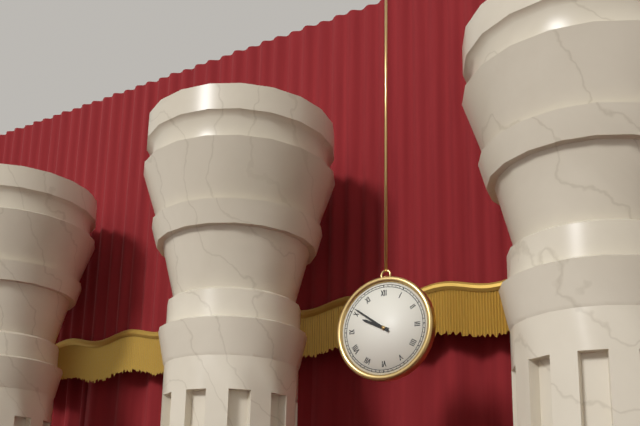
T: 9.51
